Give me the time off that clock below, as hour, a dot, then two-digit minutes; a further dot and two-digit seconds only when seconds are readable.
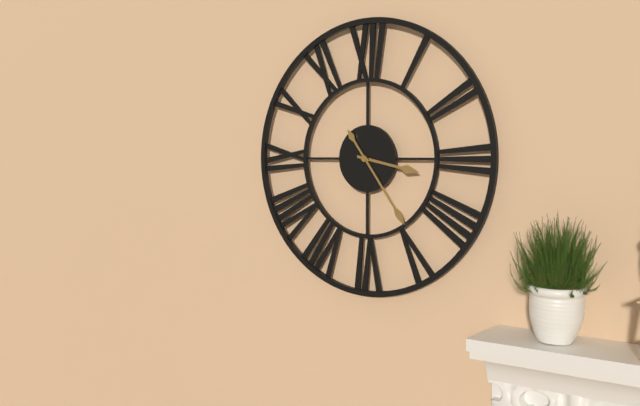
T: 3.24
